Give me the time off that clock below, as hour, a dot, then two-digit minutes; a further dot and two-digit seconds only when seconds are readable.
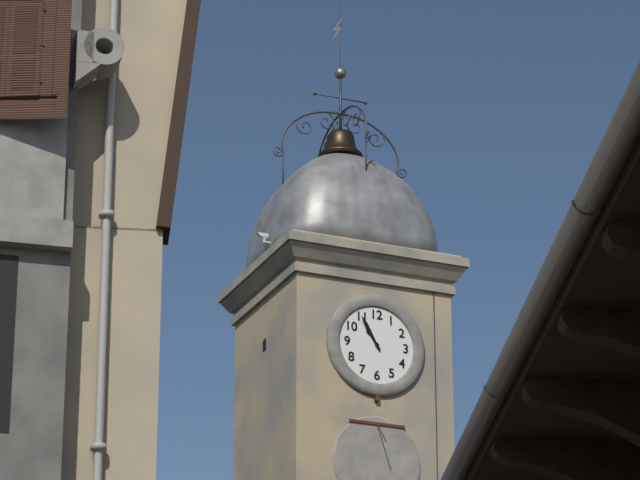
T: 10.55
